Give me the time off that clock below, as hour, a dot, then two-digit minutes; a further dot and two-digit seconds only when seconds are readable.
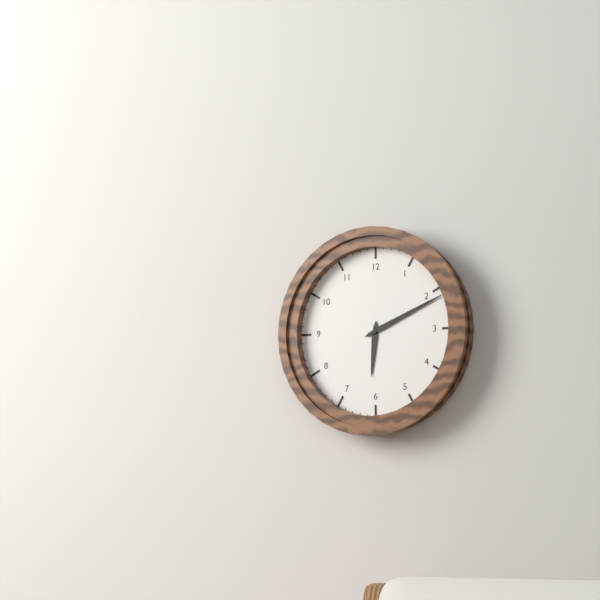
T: 6.11
